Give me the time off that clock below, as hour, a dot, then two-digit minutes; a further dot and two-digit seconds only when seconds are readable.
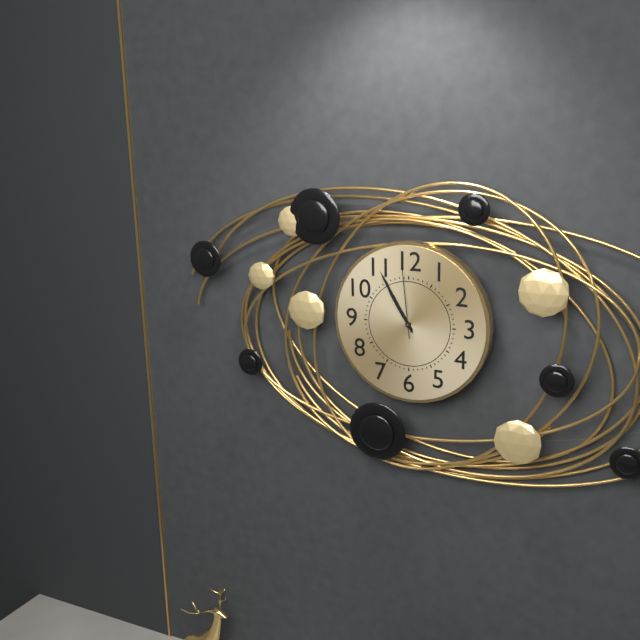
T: 10.55.59
